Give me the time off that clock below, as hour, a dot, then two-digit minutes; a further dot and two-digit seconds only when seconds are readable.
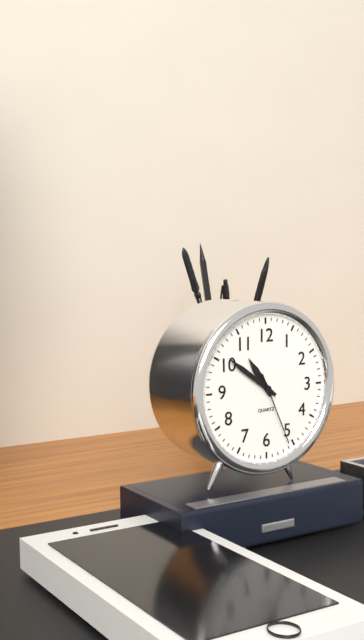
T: 10.51.26
